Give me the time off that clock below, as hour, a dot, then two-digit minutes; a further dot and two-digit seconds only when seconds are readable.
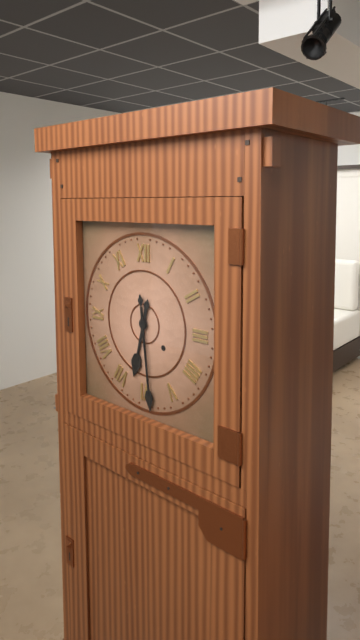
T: 6.29
